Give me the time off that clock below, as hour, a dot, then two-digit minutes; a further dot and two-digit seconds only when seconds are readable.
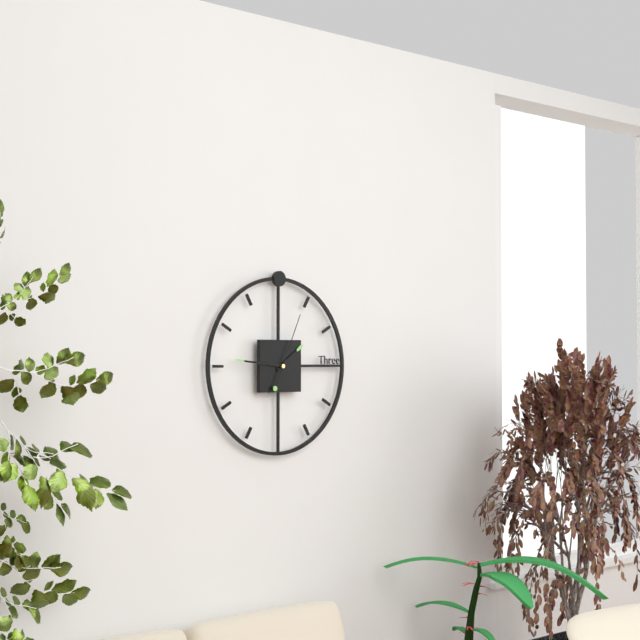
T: 1.46.04
